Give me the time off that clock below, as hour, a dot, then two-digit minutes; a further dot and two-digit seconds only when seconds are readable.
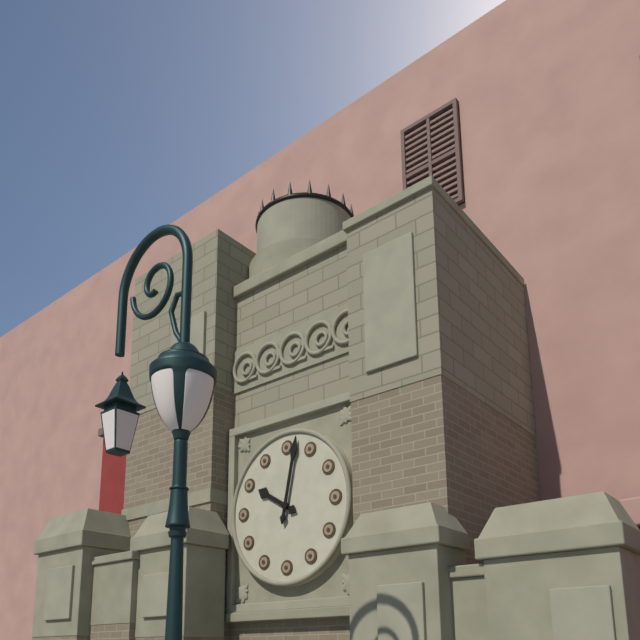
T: 10.02
